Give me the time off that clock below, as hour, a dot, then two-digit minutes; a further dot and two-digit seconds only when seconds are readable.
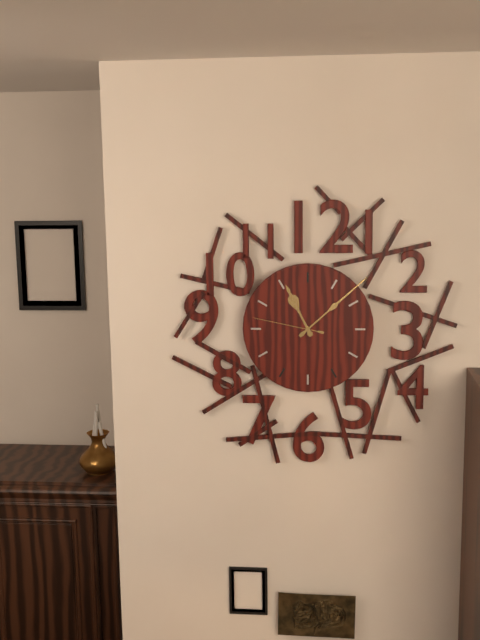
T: 11.08.47
